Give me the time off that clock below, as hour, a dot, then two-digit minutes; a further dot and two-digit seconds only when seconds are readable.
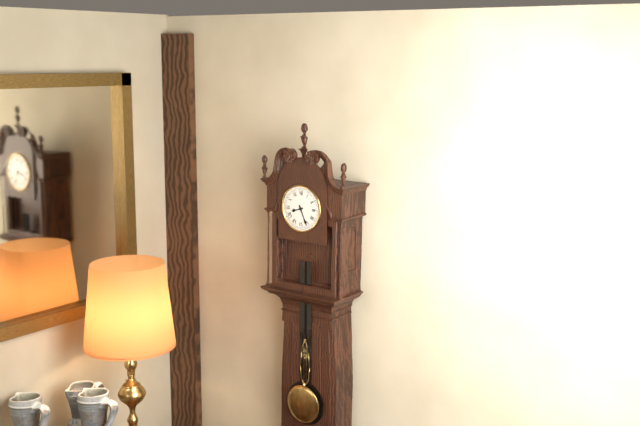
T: 8.26
